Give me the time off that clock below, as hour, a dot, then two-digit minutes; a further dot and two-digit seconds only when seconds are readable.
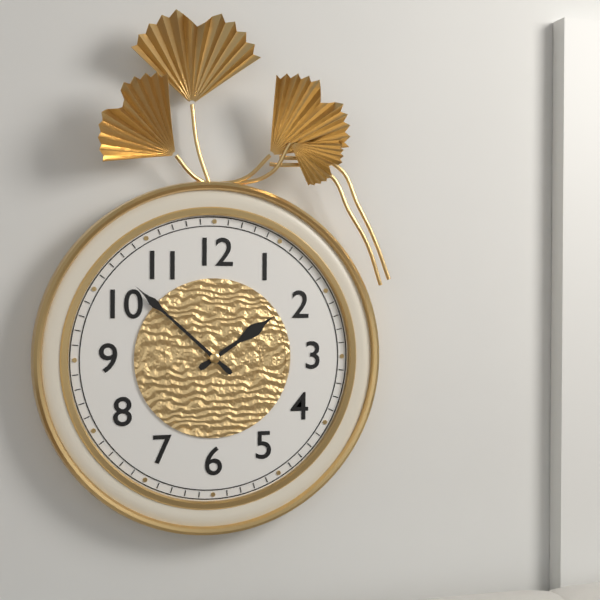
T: 1.52
